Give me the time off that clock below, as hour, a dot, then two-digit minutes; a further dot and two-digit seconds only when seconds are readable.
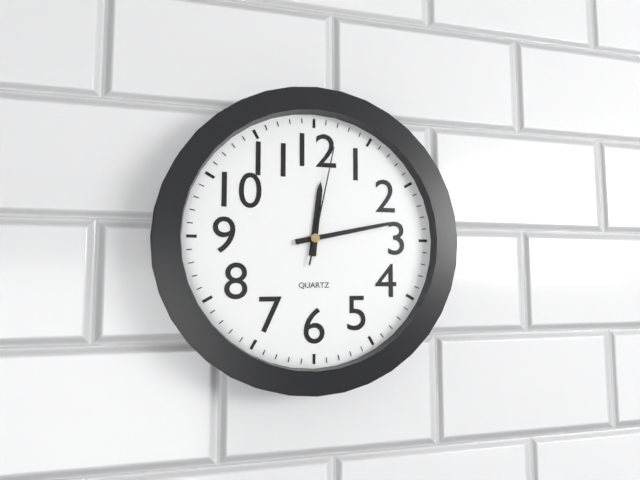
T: 12.13.02
